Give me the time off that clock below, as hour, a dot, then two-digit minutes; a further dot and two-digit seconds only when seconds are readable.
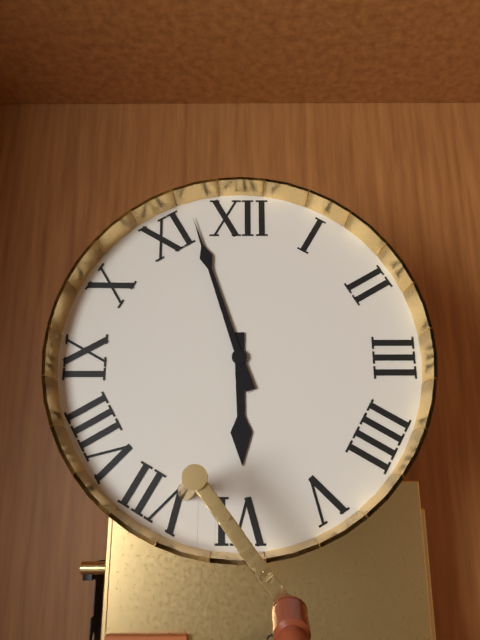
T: 5.57
